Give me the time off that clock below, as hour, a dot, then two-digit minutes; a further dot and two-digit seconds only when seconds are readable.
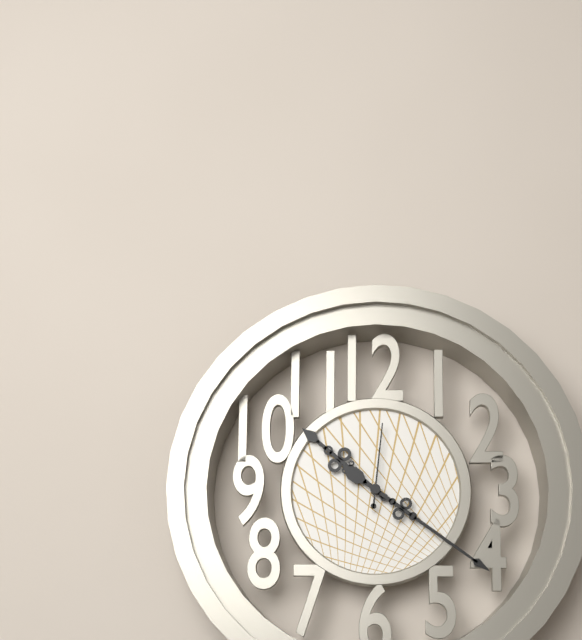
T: 10.21.01
